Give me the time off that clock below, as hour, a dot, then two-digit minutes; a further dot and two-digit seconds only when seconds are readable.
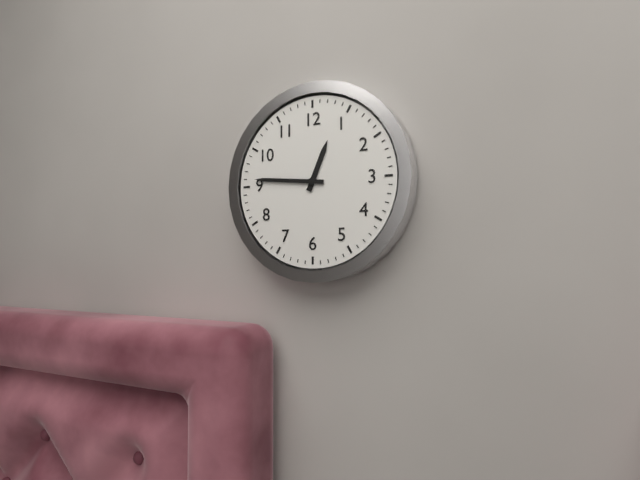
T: 12.46
